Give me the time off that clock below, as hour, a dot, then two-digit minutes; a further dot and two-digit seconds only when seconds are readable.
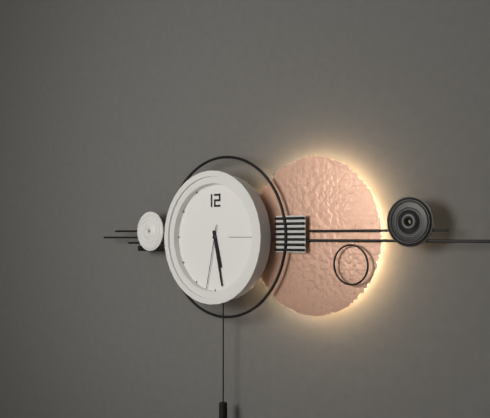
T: 5.28.32
